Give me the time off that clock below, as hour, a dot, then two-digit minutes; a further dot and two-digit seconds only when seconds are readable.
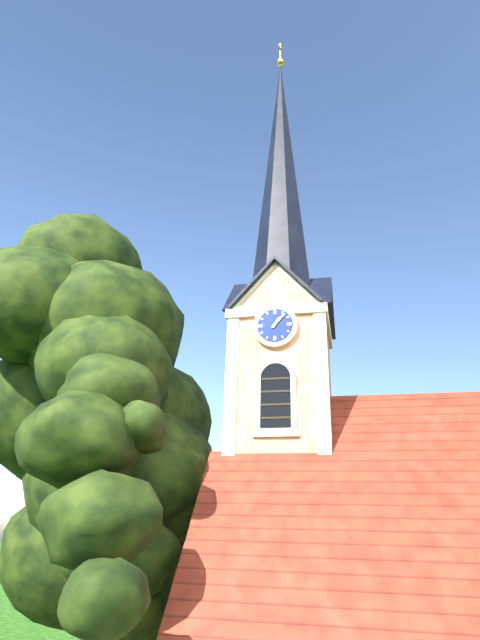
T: 1.07
